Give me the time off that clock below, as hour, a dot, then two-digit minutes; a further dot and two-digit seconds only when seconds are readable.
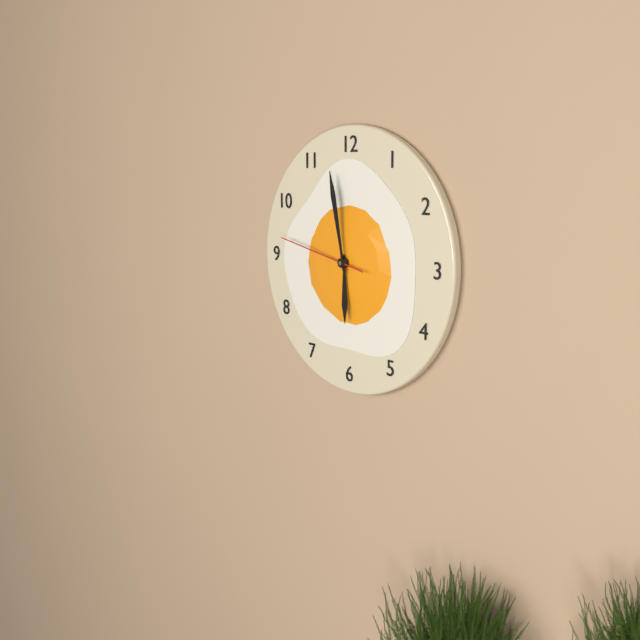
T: 5.58.47
